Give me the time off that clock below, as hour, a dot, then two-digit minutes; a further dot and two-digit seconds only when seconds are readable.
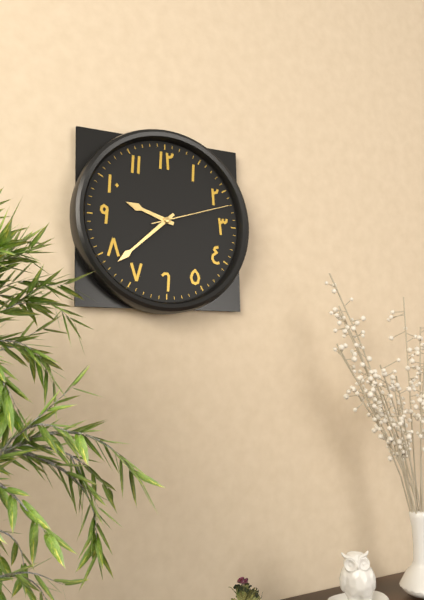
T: 9.38.12
